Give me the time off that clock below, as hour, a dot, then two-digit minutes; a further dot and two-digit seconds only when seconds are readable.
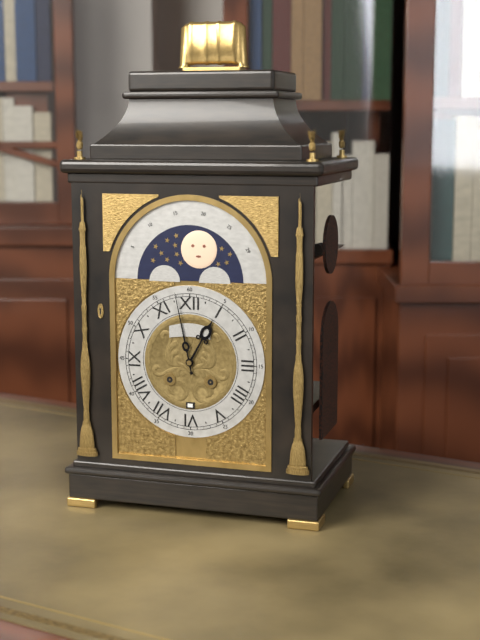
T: 12.58
